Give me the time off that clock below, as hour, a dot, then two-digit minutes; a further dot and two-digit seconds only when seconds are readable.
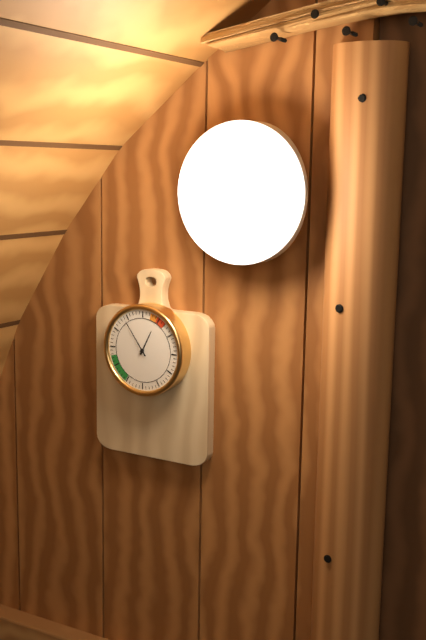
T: 12.54
